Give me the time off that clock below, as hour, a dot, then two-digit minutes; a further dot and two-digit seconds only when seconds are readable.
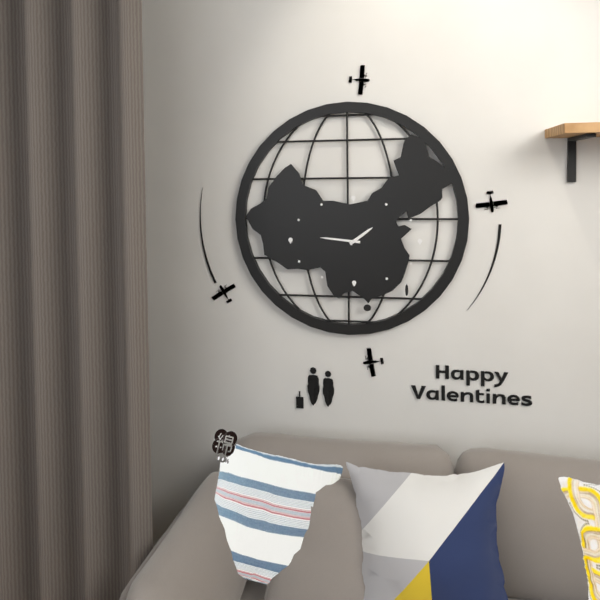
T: 1.46
